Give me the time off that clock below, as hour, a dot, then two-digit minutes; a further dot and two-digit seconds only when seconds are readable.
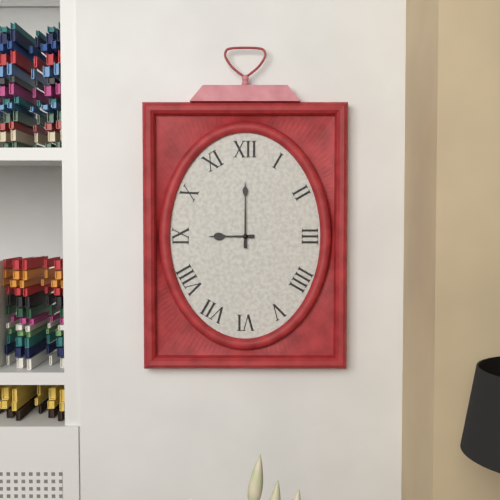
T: 9.00
